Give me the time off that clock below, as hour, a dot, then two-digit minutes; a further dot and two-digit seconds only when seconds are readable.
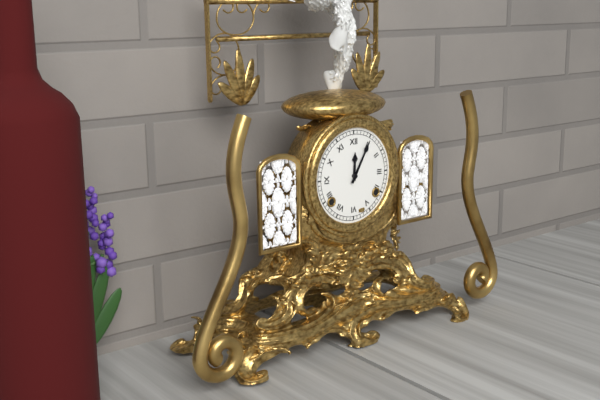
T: 12.05
